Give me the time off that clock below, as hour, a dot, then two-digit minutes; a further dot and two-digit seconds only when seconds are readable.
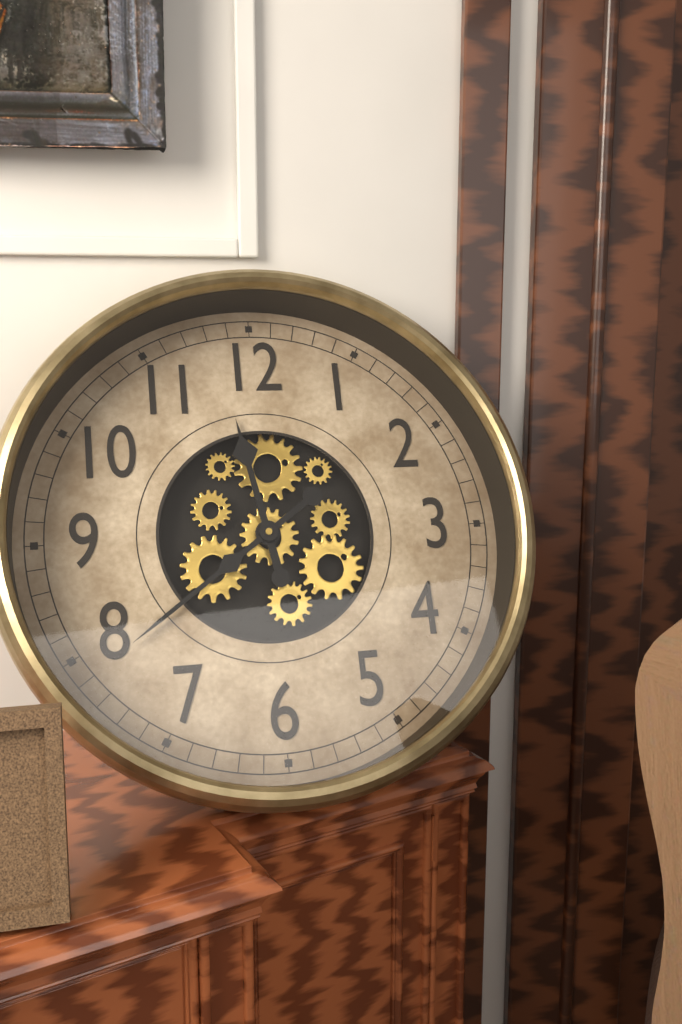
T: 11.39
